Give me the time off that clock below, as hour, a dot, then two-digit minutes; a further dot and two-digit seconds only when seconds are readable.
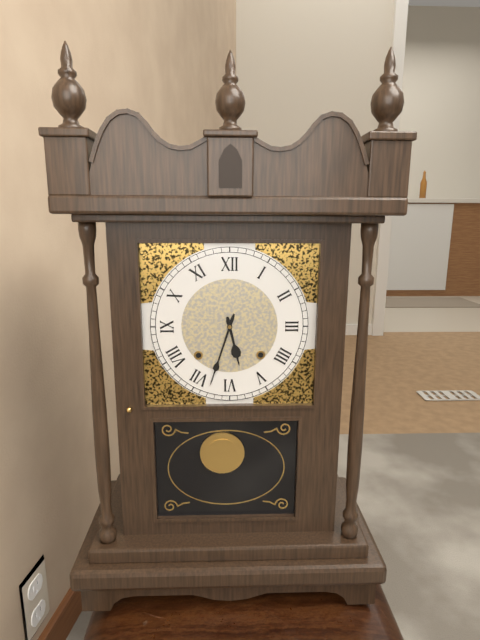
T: 5.33
